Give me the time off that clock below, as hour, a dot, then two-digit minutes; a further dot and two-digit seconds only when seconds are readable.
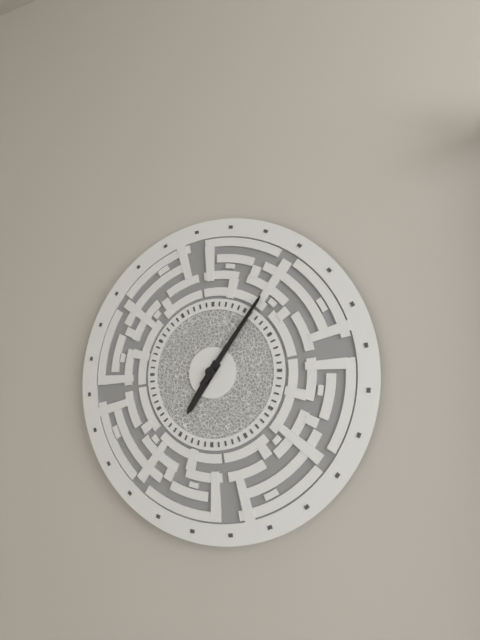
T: 7.06
